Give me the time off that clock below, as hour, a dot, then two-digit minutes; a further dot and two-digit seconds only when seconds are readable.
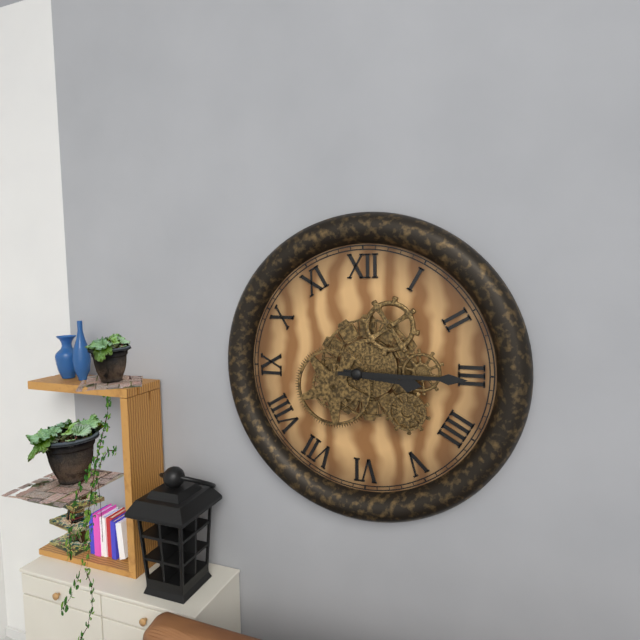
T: 3.15
